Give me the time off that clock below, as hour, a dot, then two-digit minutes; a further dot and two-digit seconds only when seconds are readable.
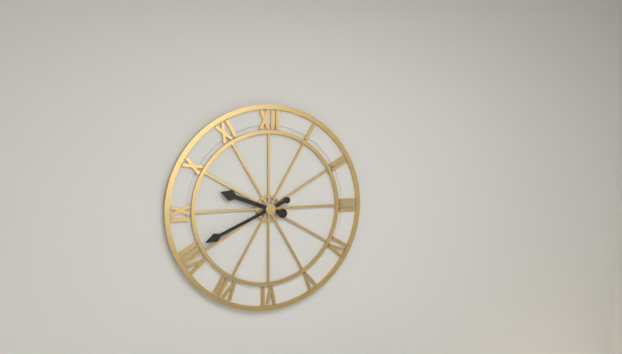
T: 9.41
